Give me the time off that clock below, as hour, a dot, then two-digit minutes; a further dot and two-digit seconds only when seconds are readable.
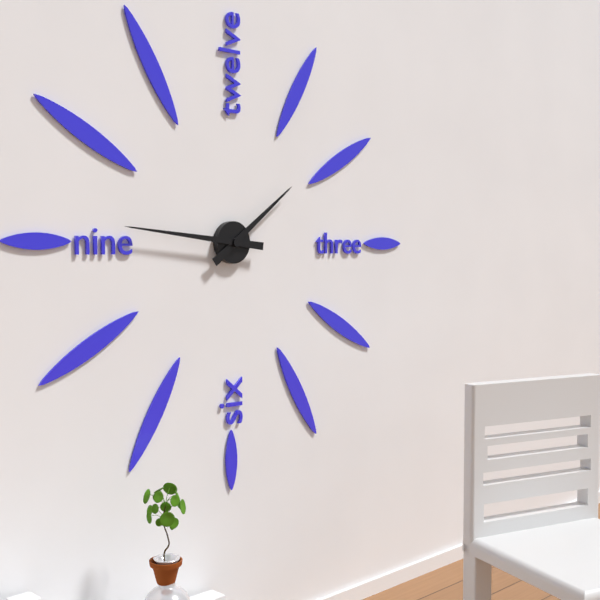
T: 1.46
